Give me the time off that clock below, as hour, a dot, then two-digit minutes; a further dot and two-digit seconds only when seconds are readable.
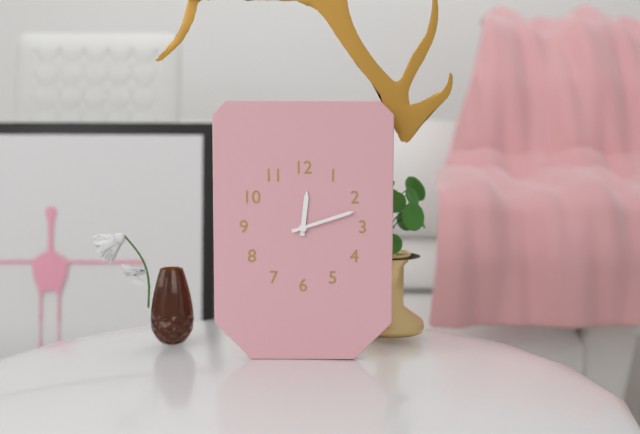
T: 12.12
